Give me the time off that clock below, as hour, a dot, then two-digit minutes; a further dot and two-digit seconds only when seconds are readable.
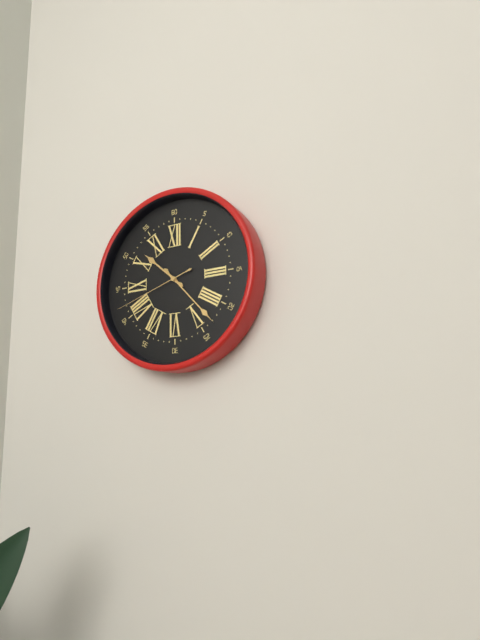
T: 10.23.42
